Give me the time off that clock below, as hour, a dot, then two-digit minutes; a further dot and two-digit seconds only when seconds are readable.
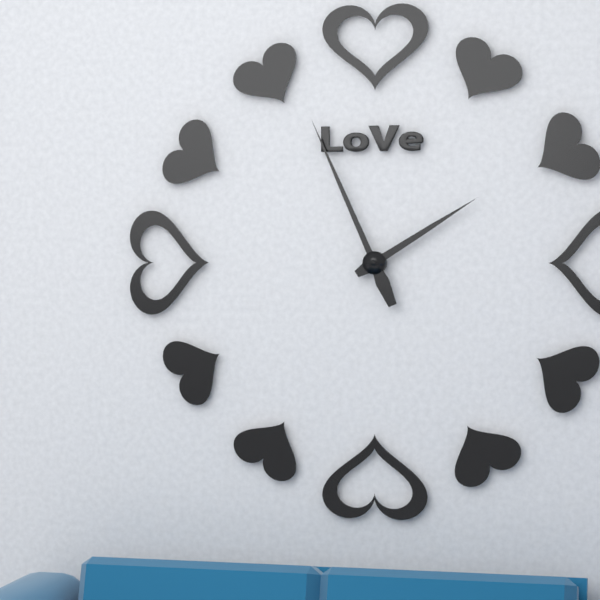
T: 1.56
